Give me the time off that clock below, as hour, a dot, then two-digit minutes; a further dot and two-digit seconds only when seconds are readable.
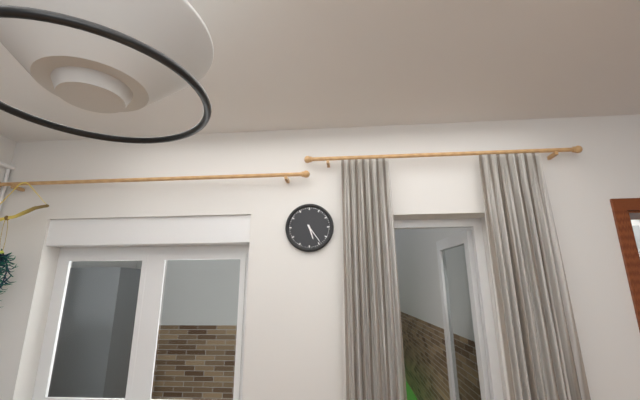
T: 5.24
